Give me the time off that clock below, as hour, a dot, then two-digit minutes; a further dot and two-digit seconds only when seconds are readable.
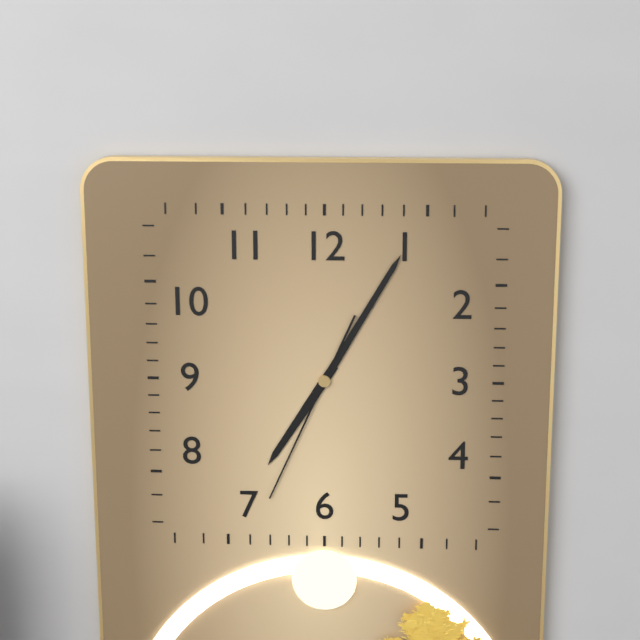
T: 7.05.34
